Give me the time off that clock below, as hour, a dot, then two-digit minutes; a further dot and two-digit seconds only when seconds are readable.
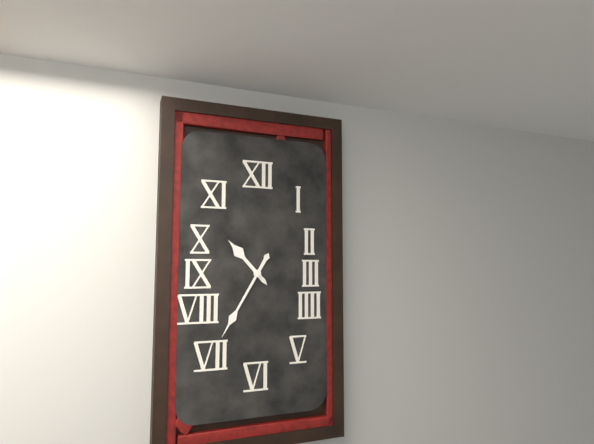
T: 10.35
